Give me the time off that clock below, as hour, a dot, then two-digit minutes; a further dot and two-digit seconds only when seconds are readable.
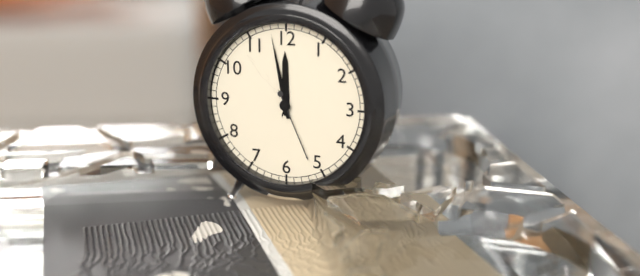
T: 11.58.26
